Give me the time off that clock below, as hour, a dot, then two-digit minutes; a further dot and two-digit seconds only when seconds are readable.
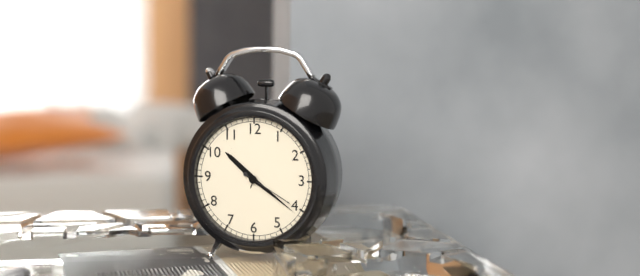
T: 10.21.20
